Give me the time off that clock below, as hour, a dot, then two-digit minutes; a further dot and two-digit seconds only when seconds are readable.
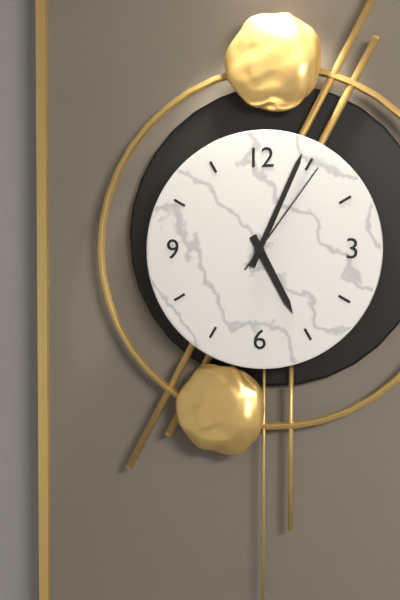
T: 5.04.06
